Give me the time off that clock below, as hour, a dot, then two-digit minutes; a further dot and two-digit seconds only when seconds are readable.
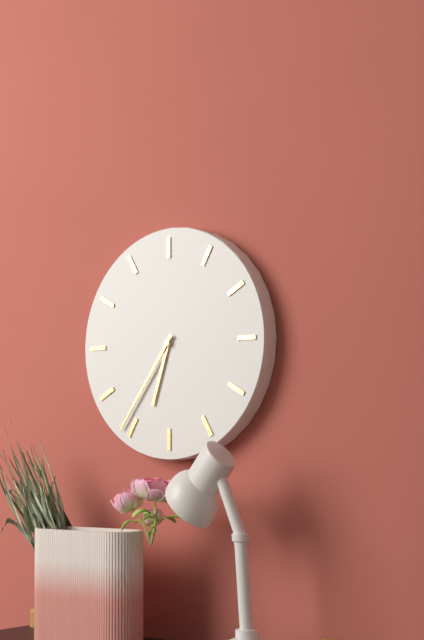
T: 6.36
